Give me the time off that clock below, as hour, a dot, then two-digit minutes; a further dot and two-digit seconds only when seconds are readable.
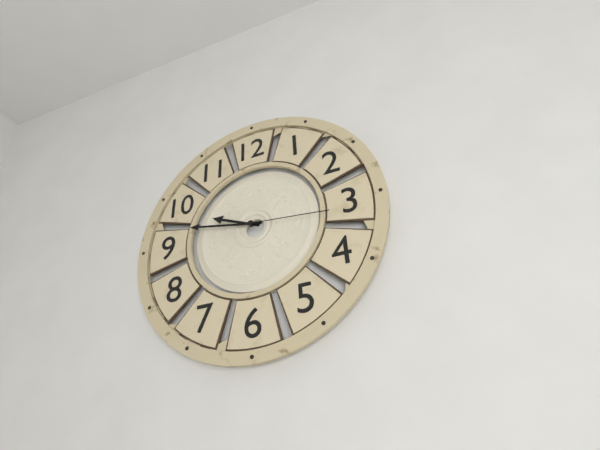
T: 9.47.16
